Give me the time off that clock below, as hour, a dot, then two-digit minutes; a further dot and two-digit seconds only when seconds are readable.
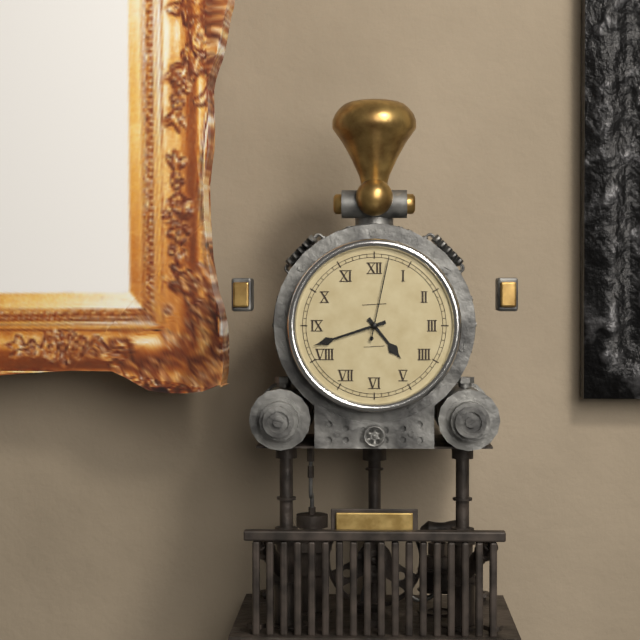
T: 4.42.02
